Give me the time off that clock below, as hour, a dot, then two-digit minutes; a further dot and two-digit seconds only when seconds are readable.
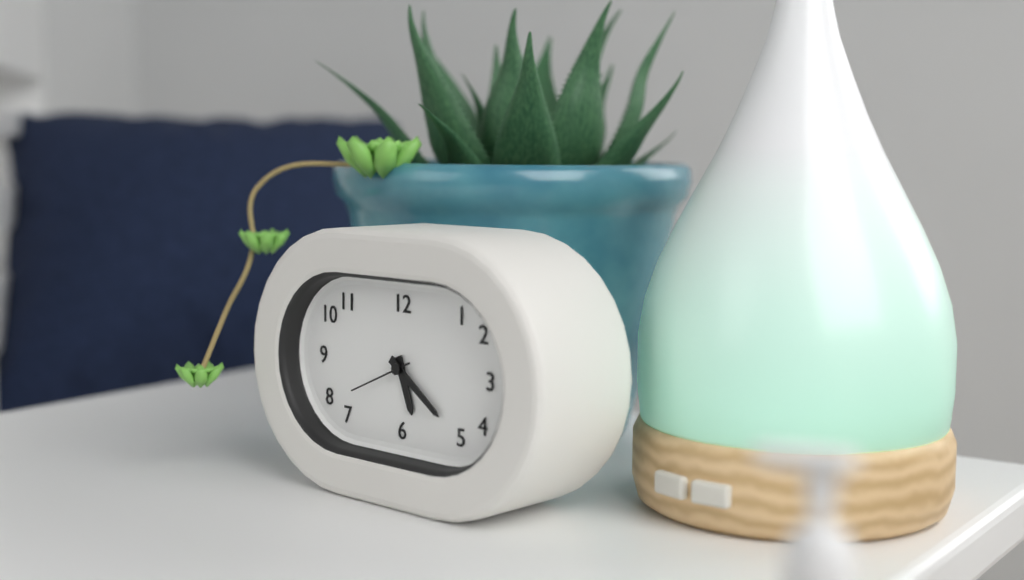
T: 5.21.41
